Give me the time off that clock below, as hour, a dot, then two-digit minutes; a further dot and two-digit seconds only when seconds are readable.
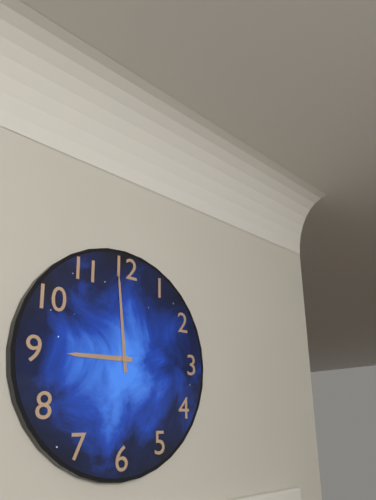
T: 8.59
